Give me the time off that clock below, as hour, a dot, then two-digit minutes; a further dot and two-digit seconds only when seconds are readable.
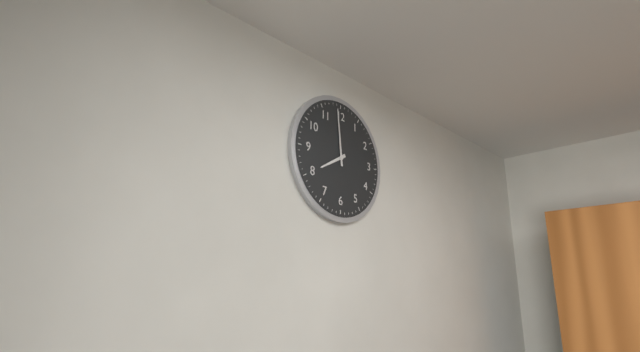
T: 7.59
